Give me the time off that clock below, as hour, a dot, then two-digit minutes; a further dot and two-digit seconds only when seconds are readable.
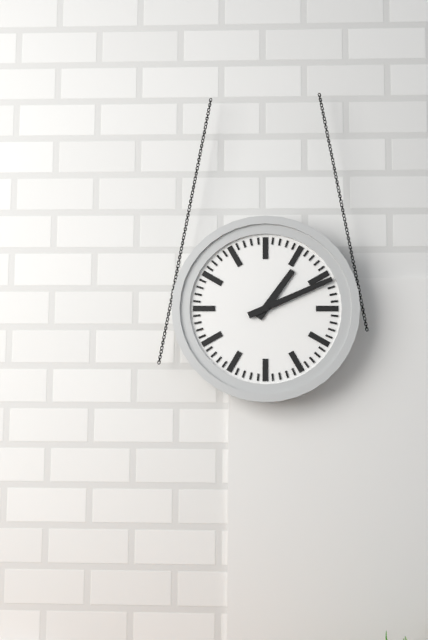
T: 1.11
